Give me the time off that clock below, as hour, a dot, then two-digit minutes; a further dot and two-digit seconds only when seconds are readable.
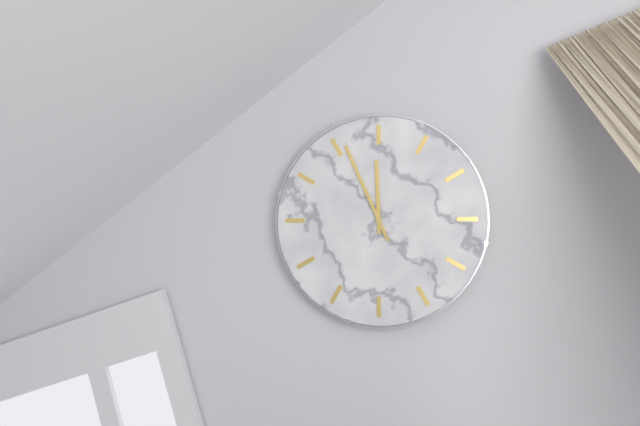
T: 11.56
